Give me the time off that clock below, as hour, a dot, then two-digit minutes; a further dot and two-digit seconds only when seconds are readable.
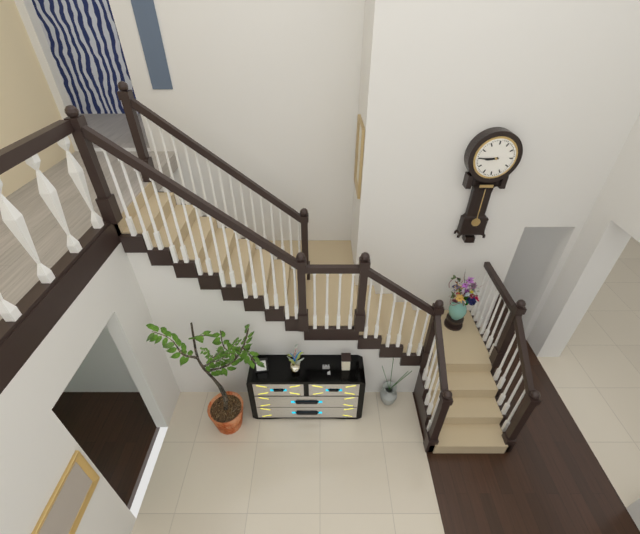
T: 8.45
